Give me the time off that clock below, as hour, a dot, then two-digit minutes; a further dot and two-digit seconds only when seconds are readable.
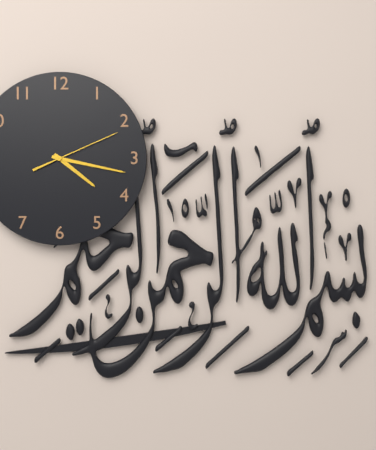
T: 4.17.11
